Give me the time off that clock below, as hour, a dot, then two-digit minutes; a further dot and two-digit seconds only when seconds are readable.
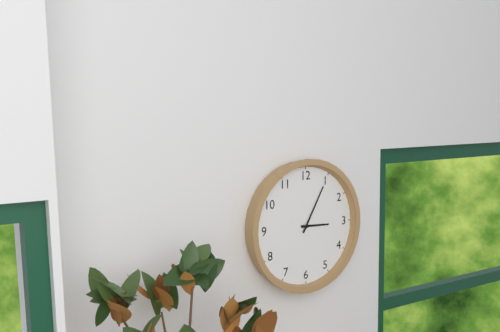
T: 3.05
